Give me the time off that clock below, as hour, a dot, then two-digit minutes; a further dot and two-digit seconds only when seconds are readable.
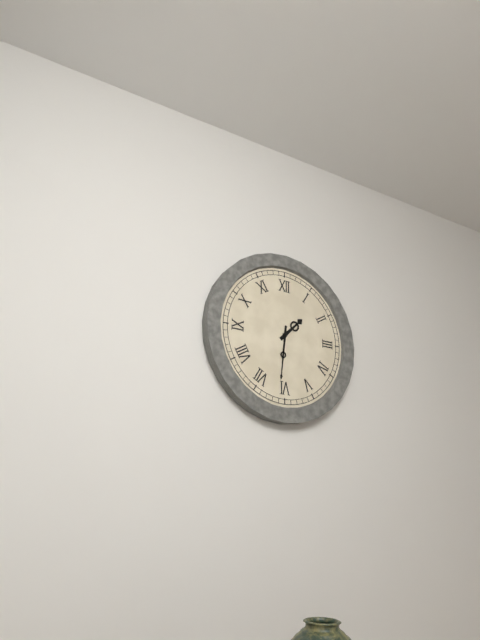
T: 1.31
